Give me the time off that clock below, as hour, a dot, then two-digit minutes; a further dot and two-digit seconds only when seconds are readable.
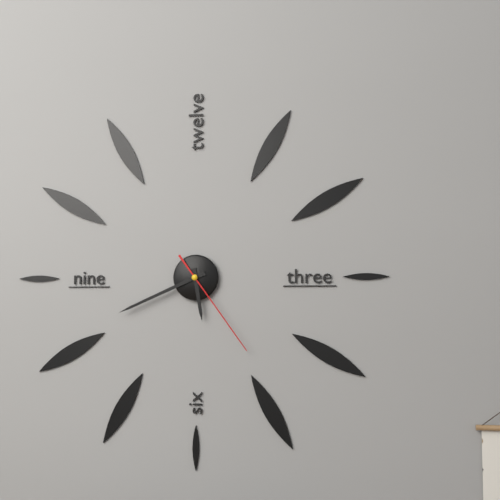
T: 5.41.24
